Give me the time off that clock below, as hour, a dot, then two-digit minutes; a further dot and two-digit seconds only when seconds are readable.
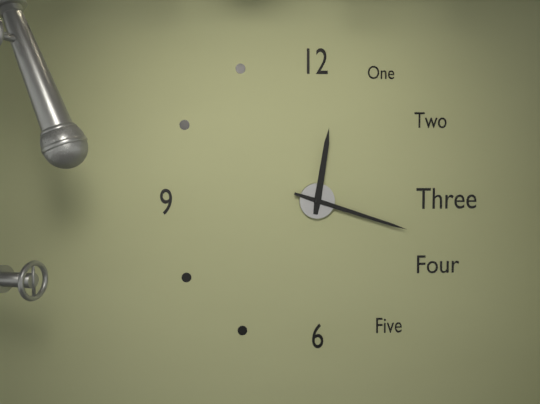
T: 12.18
